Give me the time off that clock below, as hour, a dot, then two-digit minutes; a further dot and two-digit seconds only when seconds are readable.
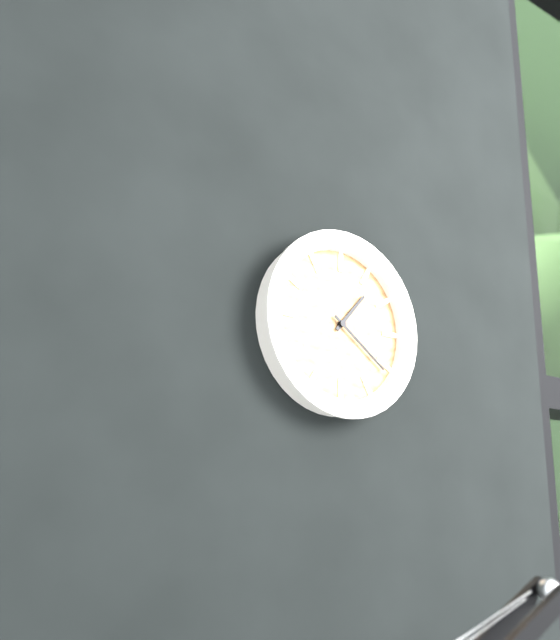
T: 1.21
